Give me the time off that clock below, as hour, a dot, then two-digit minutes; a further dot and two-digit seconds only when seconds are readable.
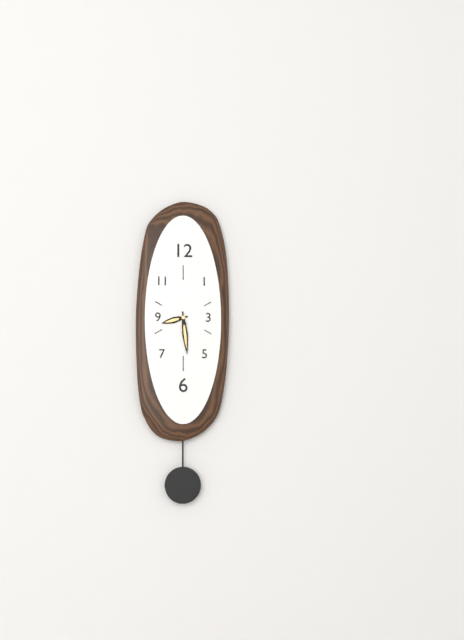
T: 8.29
